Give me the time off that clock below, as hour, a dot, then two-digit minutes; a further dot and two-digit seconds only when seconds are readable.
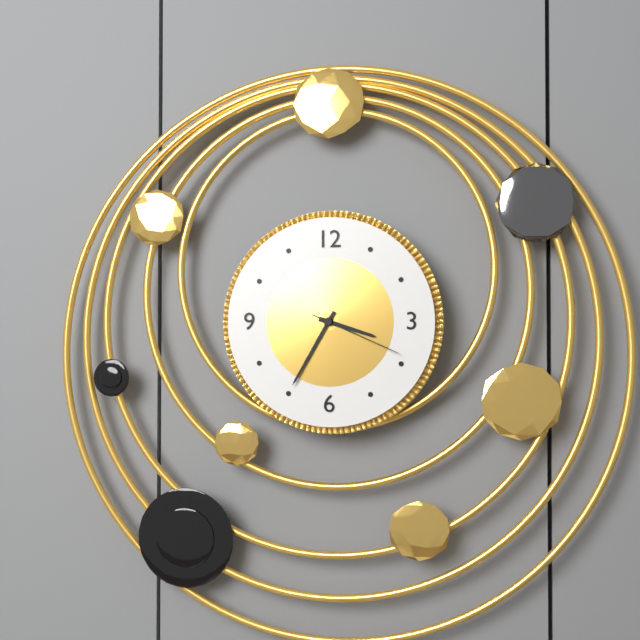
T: 3.35.19
